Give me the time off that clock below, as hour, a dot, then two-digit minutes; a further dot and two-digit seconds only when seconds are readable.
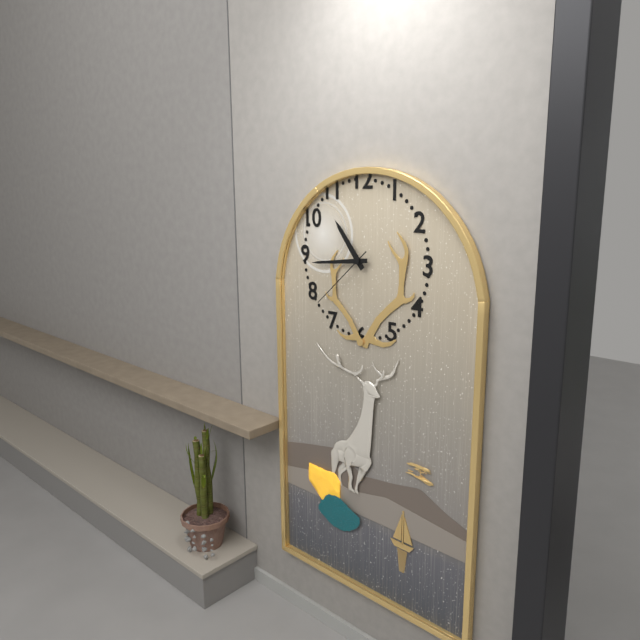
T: 10.44.38
